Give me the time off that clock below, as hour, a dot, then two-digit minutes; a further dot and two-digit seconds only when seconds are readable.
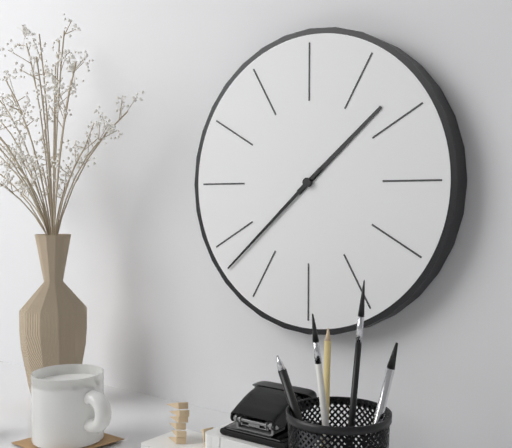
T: 1.38
